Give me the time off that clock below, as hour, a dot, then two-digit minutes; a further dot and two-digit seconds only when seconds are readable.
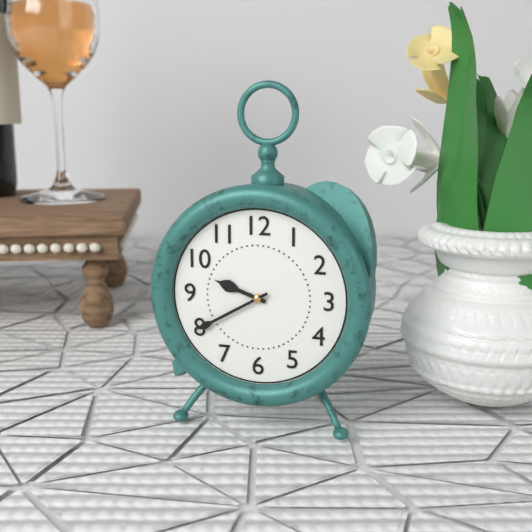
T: 9.40
